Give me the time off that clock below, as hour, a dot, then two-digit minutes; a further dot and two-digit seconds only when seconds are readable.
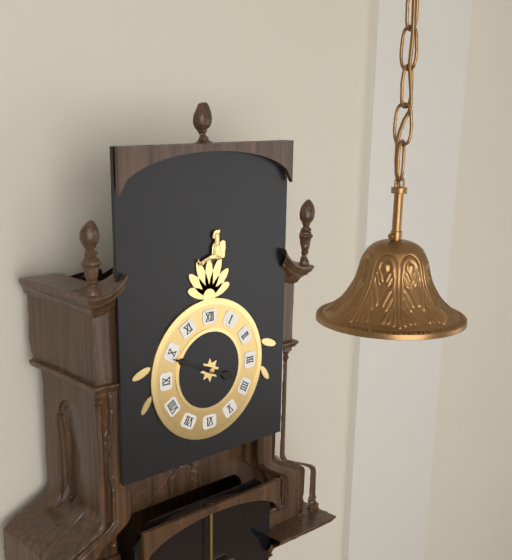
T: 3.49
